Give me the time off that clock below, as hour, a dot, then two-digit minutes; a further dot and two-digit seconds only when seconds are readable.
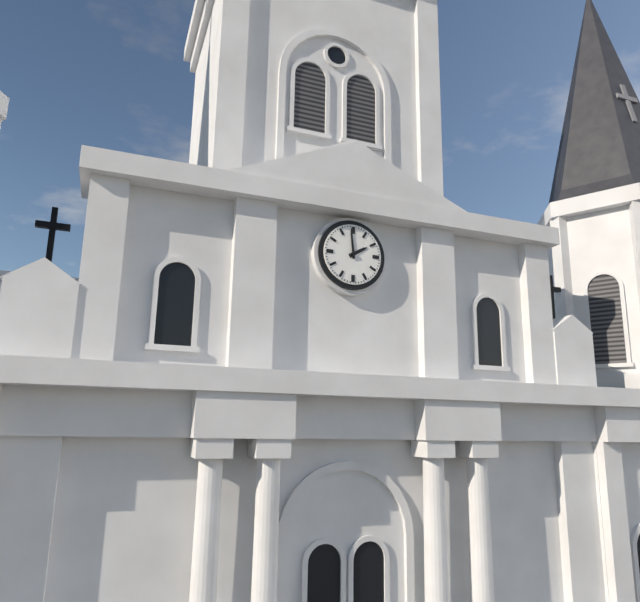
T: 1.59
